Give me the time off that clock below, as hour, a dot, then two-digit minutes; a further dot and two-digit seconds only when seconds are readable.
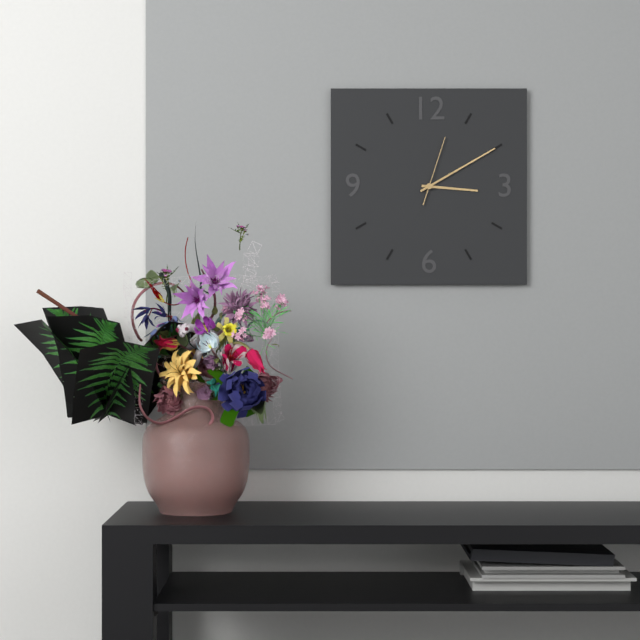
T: 3.10.03
